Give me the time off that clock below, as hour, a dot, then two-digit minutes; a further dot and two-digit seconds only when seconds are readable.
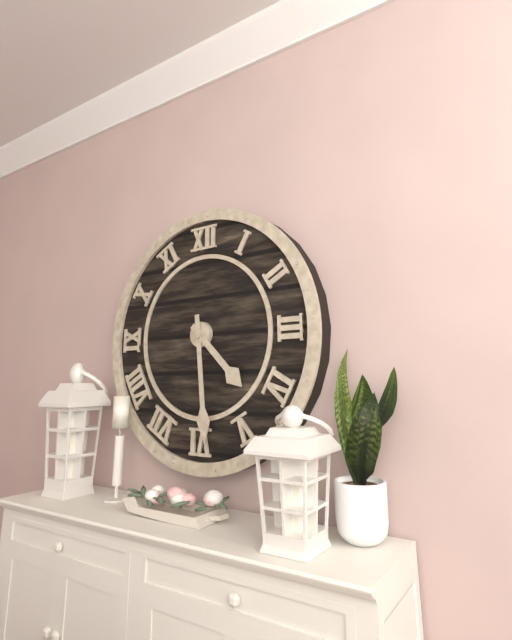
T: 4.29
